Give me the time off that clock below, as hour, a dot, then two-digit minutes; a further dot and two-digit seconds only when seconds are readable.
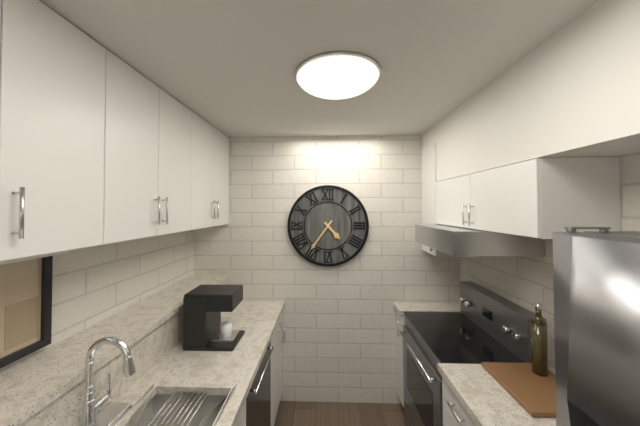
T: 4.36
